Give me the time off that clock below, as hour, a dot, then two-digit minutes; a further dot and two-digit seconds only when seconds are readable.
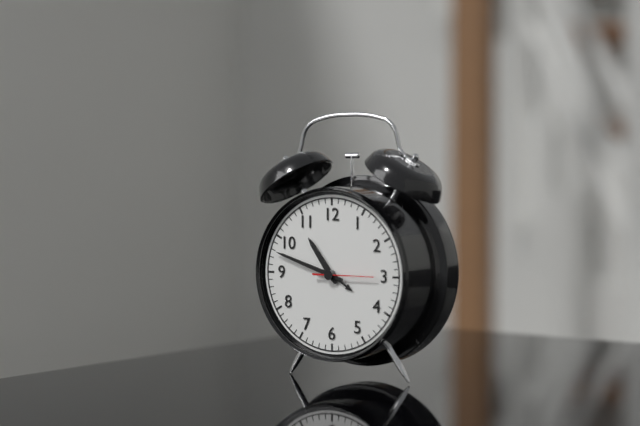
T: 10.48
